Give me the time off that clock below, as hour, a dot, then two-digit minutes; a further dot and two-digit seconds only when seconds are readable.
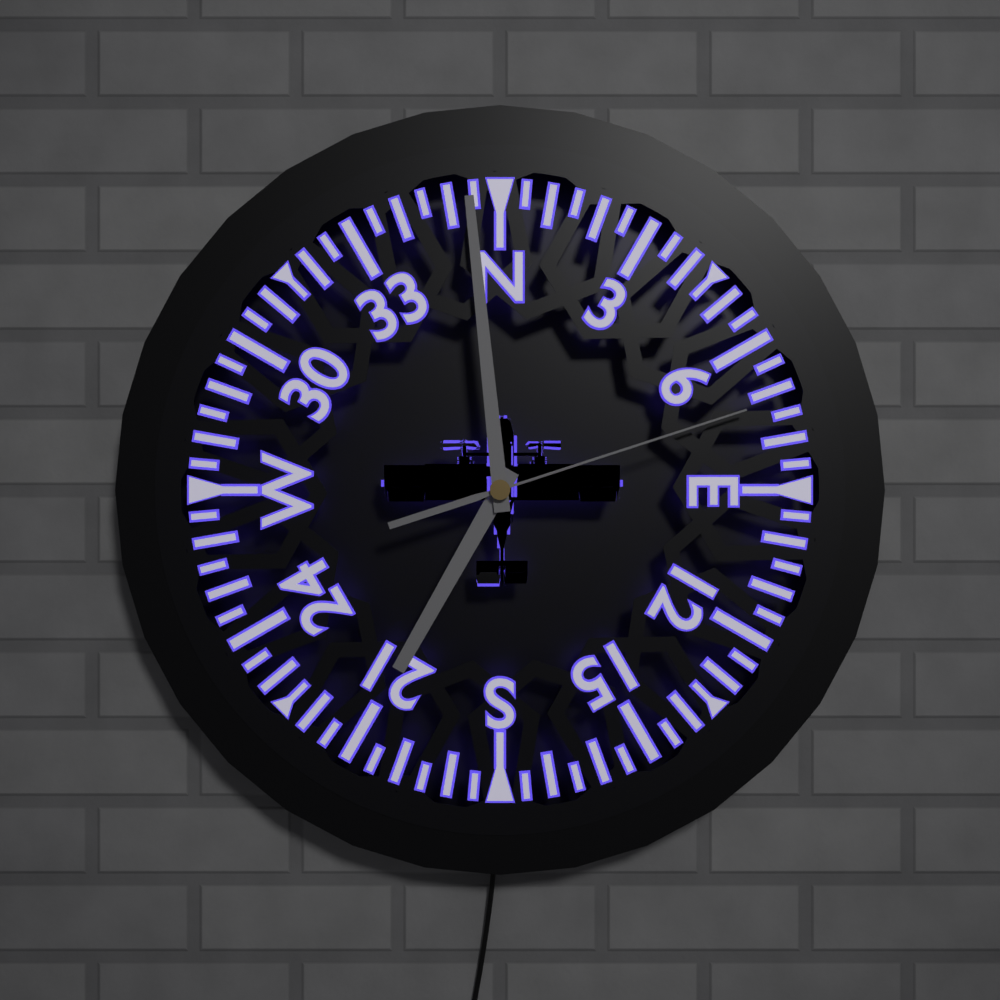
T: 6.59.12
